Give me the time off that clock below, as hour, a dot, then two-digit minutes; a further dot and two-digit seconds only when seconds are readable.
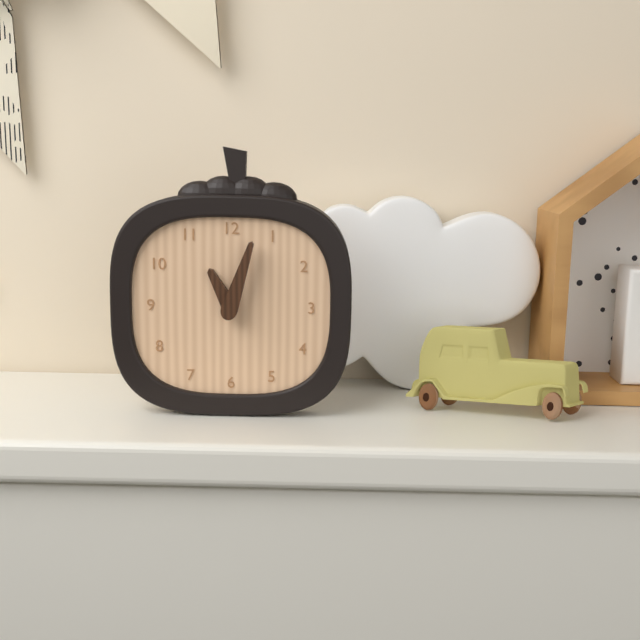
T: 11.03
